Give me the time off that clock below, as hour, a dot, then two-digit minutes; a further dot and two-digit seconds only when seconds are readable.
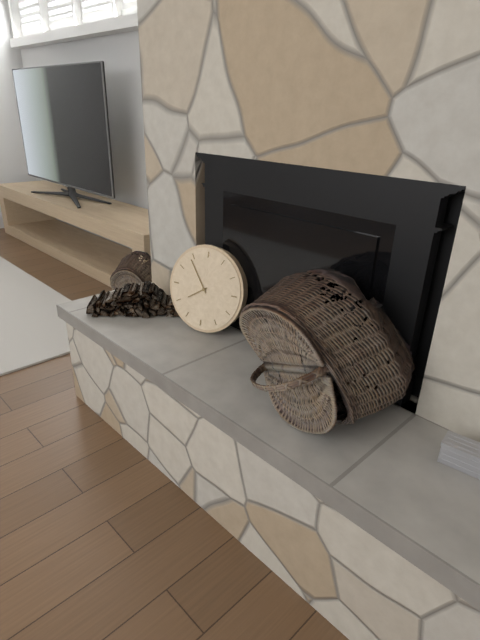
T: 7.54
